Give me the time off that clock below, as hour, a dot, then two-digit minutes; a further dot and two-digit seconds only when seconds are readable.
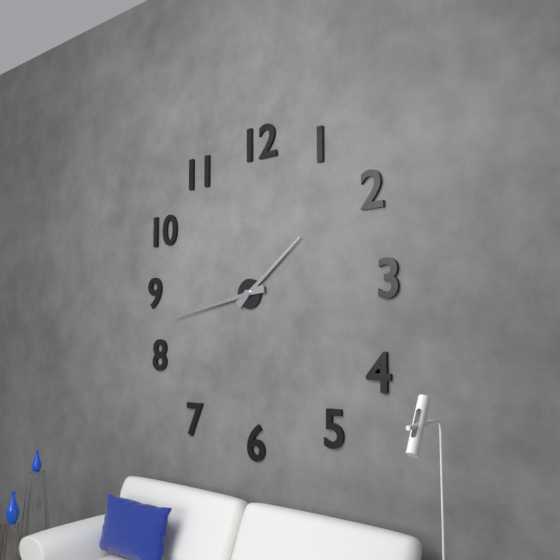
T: 1.43
